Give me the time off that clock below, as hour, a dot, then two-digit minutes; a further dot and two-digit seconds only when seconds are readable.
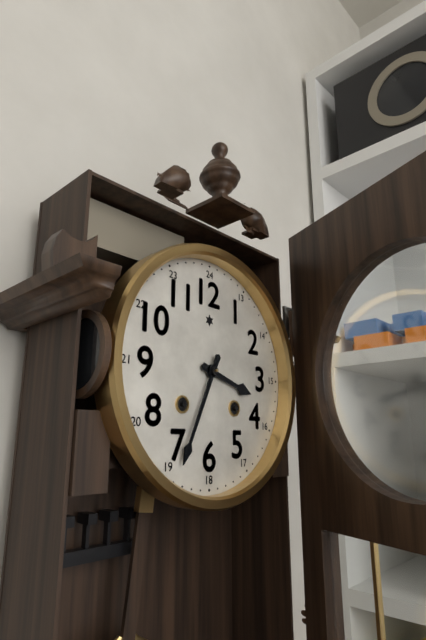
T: 3.34
